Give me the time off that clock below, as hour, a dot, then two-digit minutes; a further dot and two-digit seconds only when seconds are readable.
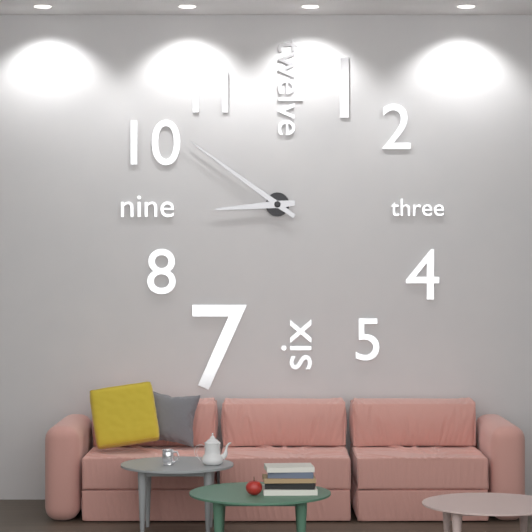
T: 8.51
